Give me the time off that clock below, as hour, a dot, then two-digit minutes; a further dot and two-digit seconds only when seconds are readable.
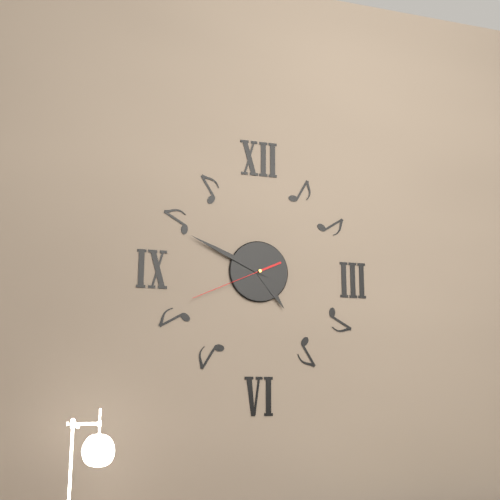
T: 4.49.41
